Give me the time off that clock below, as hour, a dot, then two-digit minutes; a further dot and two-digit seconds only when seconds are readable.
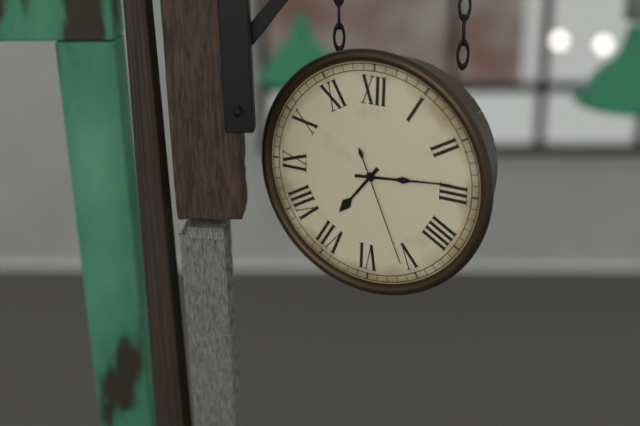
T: 7.14.26
